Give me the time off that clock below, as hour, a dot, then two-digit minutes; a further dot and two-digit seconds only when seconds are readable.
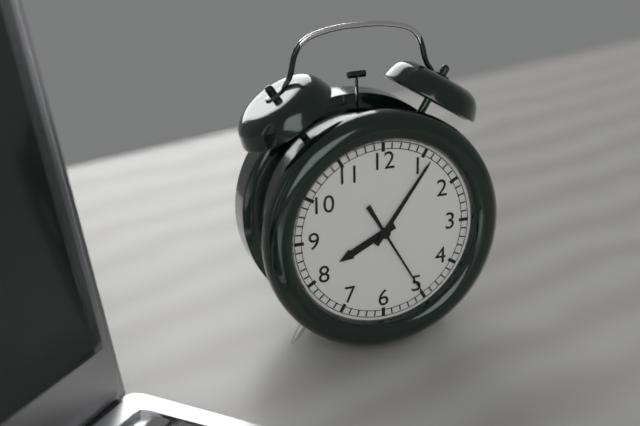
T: 8.06.25
